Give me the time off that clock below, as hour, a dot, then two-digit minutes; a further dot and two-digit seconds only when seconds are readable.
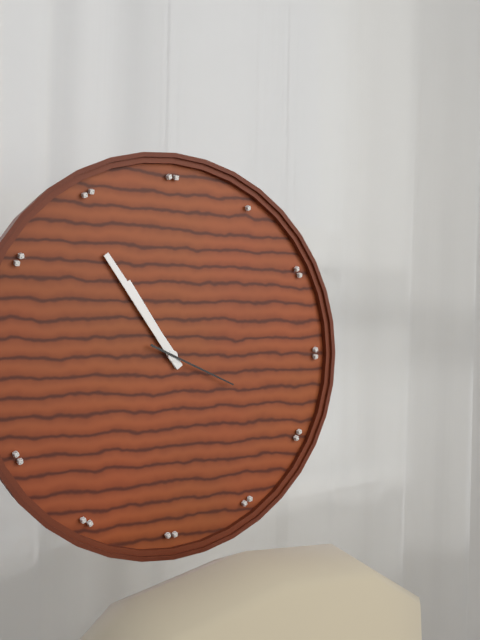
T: 10.54.19
